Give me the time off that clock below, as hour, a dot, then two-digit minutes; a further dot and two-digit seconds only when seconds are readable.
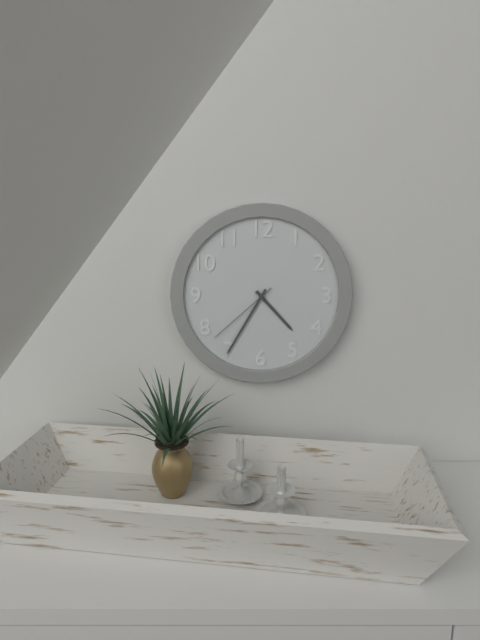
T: 4.35.38
